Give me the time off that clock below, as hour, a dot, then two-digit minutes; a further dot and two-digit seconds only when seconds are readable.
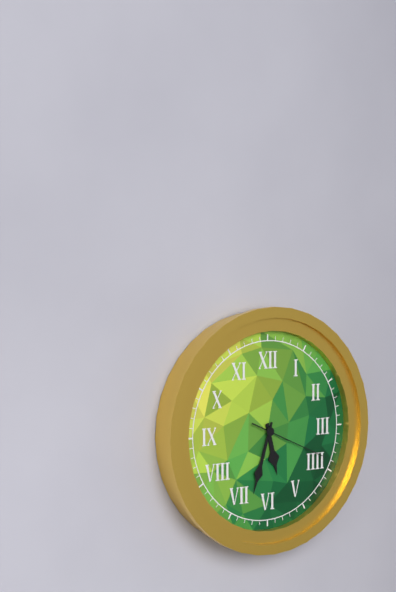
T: 5.33.19
